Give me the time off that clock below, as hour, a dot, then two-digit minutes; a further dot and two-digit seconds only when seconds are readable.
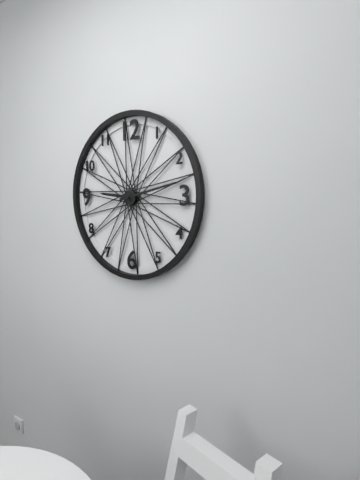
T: 9.13
